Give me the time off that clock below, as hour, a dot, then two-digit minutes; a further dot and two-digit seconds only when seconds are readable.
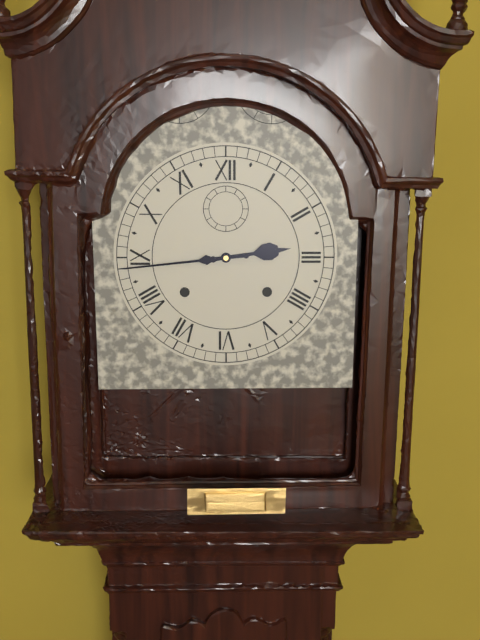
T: 2.44
